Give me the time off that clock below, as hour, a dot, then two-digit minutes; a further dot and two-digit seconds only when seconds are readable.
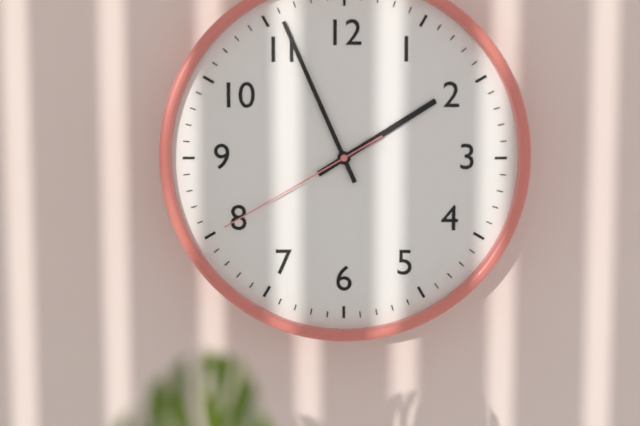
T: 1.56.40
